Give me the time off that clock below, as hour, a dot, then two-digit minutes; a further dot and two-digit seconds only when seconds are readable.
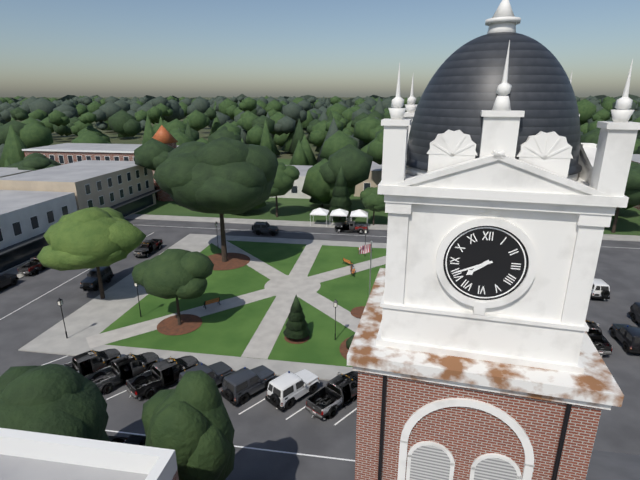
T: 7.41
